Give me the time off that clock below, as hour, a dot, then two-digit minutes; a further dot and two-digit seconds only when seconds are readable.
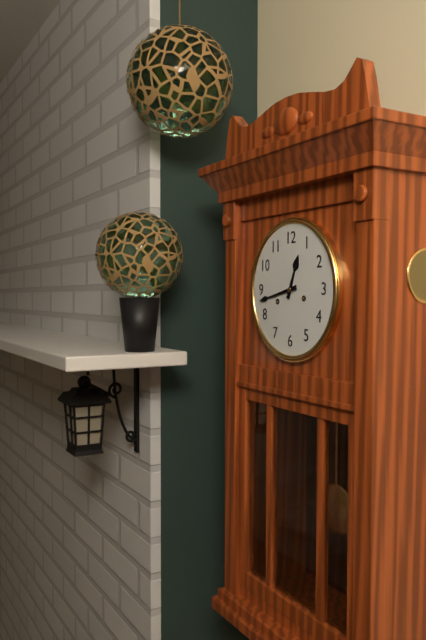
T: 12.43
